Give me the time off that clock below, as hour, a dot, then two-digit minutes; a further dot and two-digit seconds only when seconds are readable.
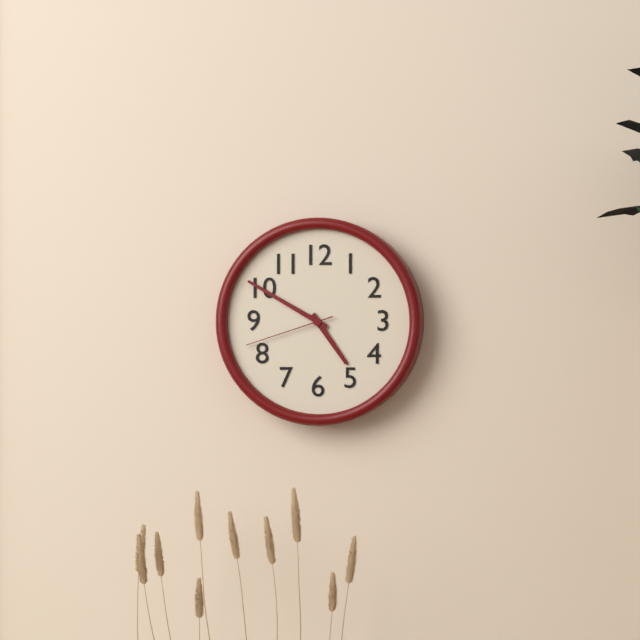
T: 4.50.42
